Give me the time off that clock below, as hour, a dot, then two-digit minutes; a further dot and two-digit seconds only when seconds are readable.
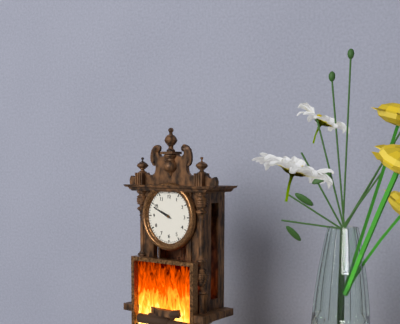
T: 9.49
